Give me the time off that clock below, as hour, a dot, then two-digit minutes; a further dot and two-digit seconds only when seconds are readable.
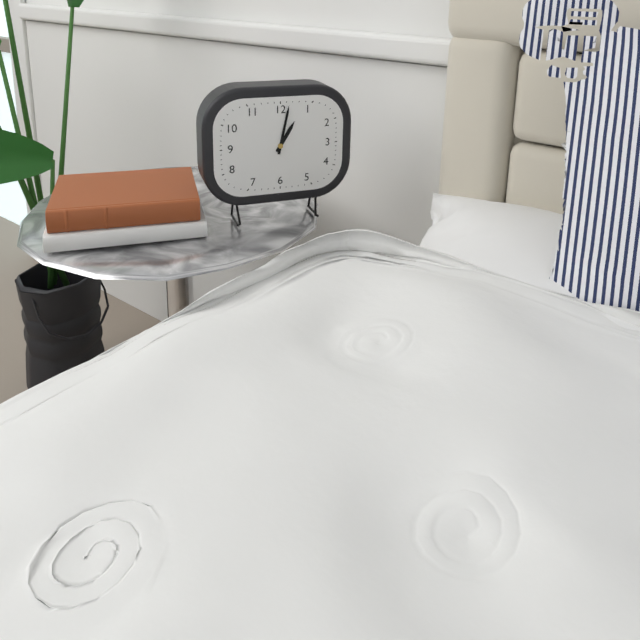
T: 1.02
